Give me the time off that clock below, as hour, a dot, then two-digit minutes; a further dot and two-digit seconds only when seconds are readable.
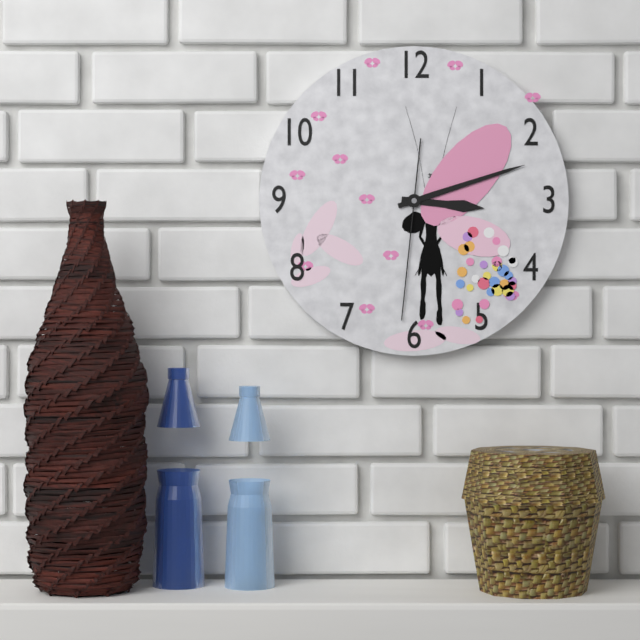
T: 3.12.31
